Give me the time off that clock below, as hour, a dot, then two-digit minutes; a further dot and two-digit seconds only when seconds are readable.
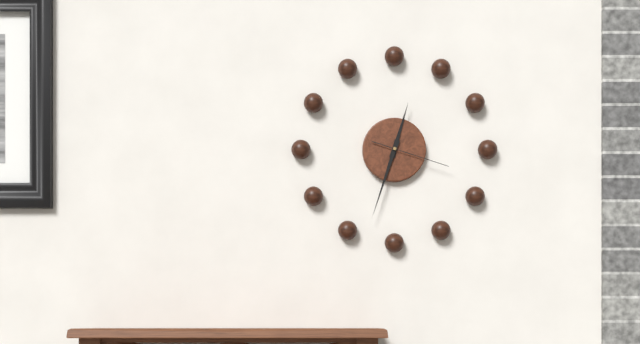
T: 12.33.18
